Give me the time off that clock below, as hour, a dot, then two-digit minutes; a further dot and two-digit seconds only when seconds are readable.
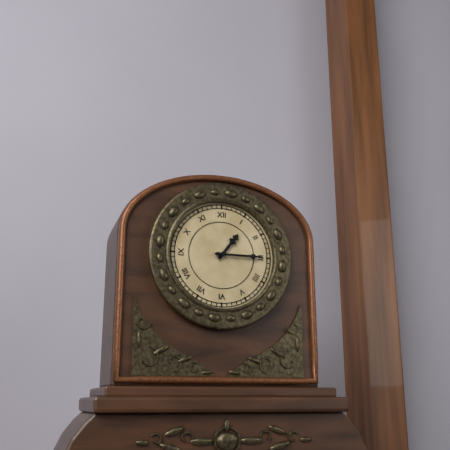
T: 1.15
